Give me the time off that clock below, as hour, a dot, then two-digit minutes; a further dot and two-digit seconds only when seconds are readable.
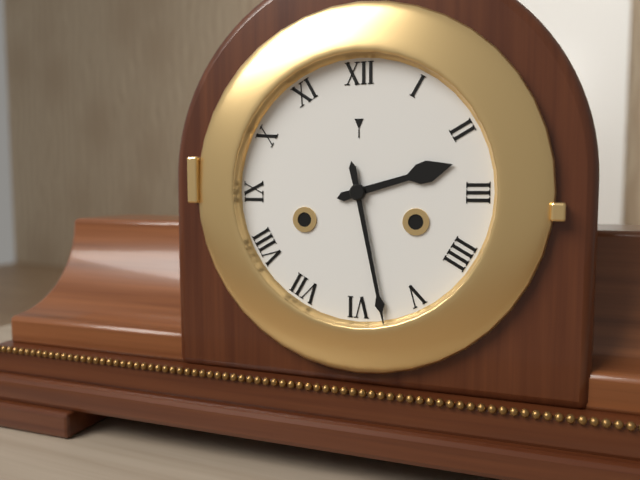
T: 2.28
